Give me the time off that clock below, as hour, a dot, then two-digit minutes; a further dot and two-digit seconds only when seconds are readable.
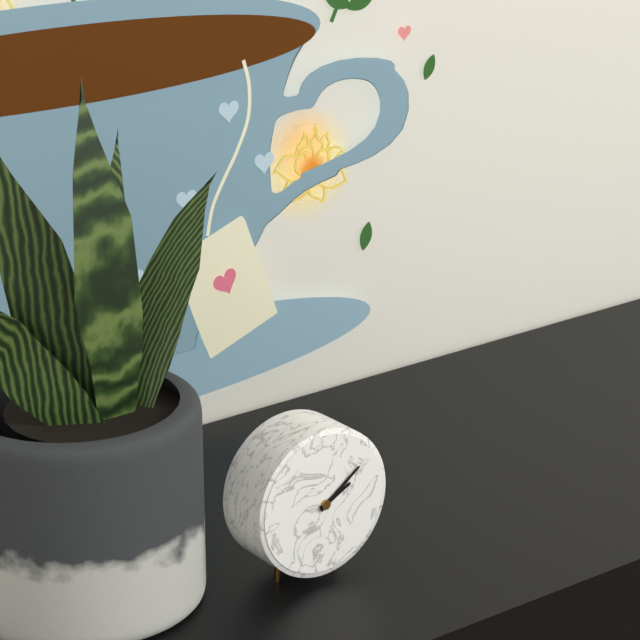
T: 2.09
